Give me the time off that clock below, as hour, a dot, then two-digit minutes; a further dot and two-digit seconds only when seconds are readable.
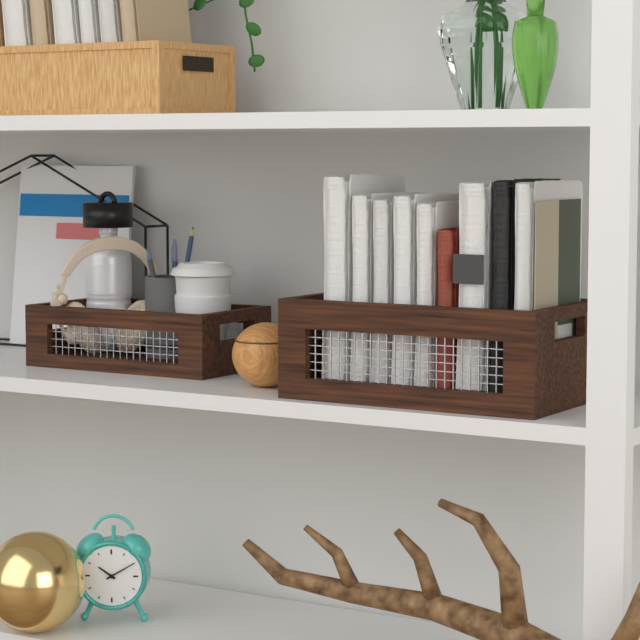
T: 10.10
